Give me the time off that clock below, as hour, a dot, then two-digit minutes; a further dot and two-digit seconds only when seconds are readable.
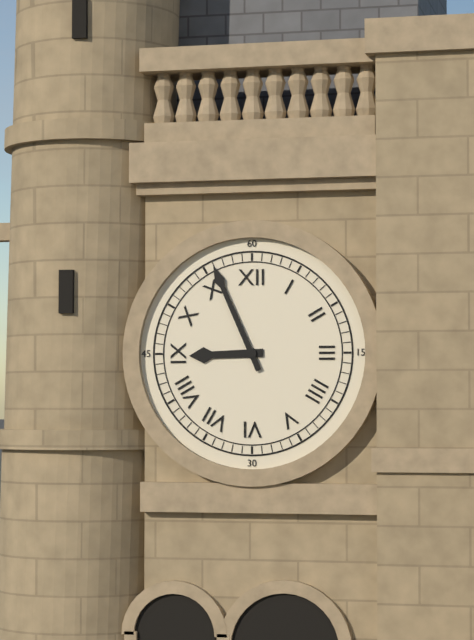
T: 8.56
